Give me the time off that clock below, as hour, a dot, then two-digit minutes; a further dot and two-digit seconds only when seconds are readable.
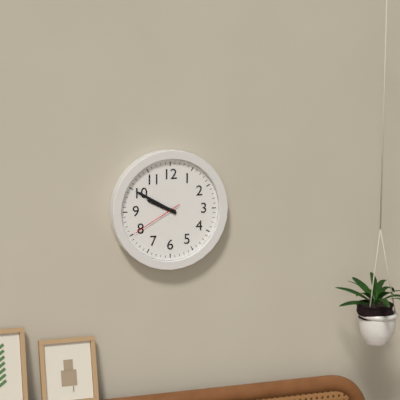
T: 9.50.40
